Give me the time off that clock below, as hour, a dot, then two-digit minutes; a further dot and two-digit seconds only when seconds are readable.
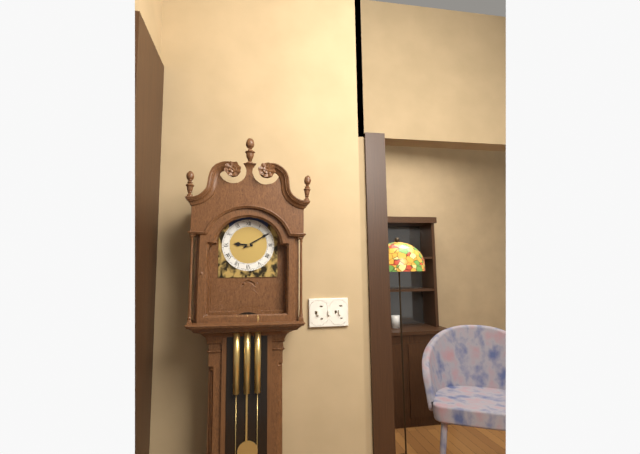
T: 9.10
